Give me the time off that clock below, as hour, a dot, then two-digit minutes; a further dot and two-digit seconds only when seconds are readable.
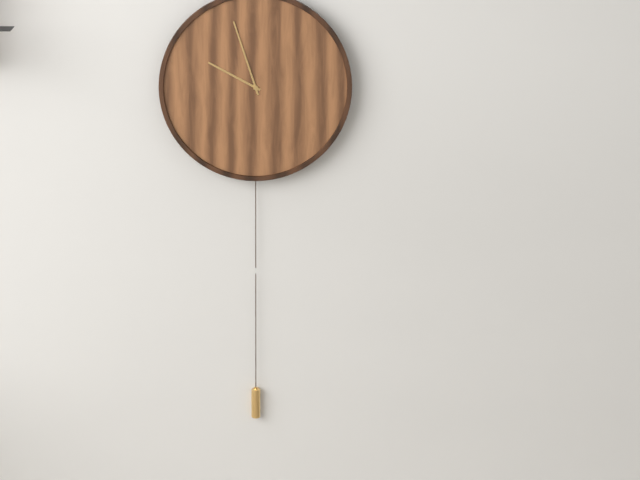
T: 9.57
